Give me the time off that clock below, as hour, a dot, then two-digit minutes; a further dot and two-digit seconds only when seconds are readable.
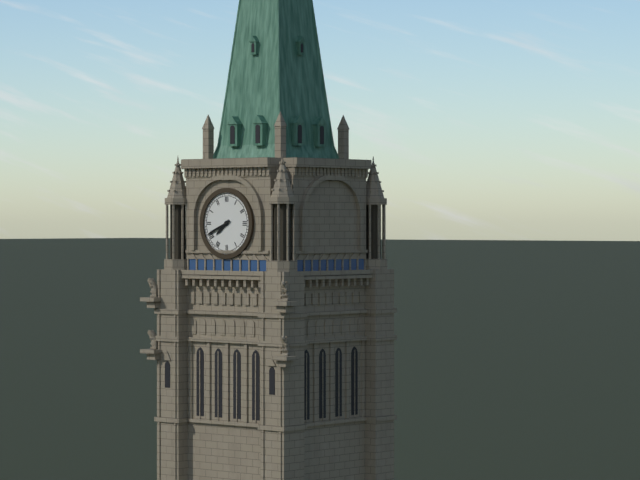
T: 7.41
